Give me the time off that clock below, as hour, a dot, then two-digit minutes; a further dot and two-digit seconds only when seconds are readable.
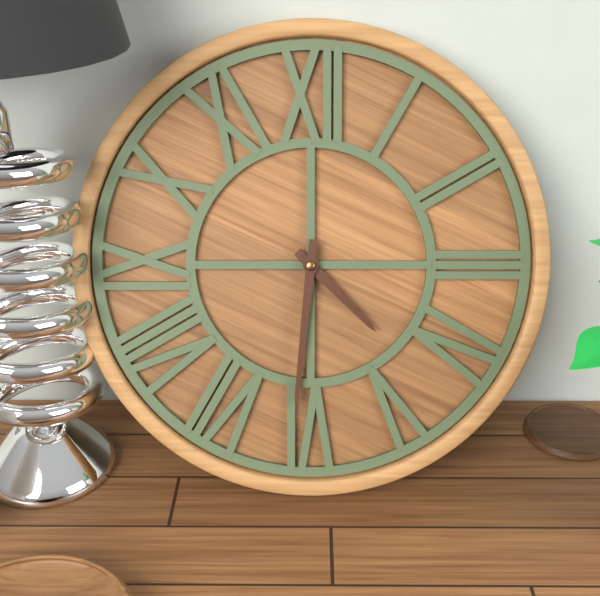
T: 4.31
